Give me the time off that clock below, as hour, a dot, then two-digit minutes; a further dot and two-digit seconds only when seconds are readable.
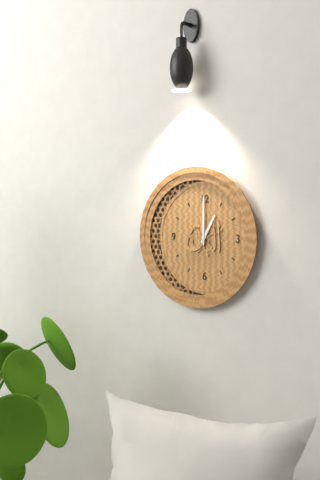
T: 1.00
